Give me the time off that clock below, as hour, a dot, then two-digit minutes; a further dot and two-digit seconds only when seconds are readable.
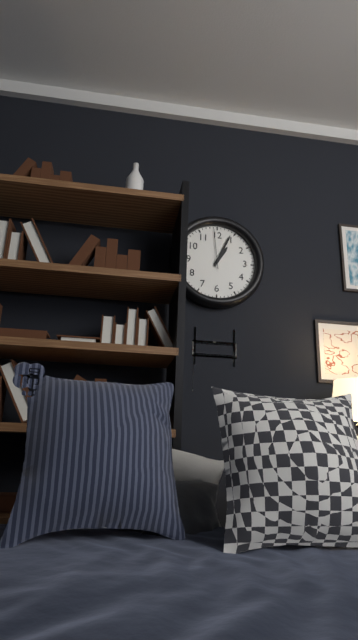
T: 1.04
